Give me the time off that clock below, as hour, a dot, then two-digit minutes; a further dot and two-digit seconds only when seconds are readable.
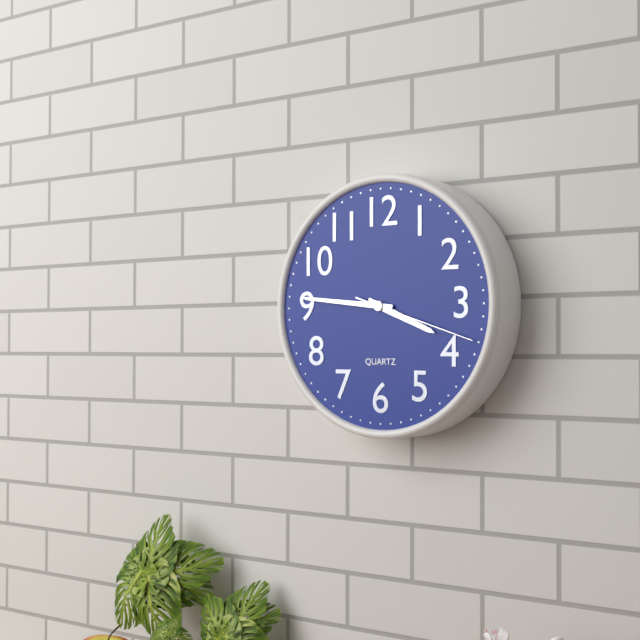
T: 3.46.18
